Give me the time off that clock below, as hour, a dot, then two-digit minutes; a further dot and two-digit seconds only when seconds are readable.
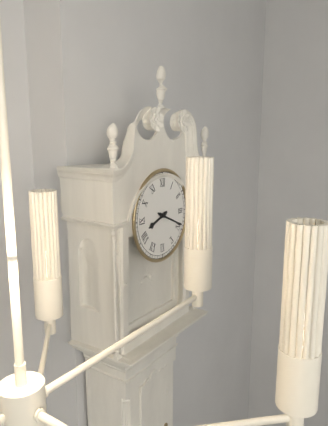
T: 8.19
